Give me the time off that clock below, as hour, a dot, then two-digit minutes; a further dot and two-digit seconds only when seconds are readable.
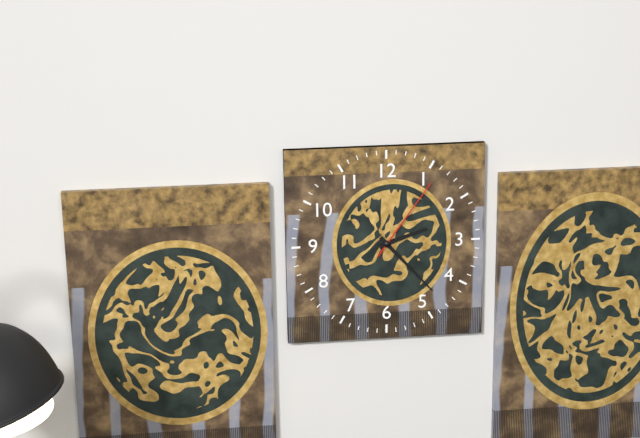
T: 2.23.06
